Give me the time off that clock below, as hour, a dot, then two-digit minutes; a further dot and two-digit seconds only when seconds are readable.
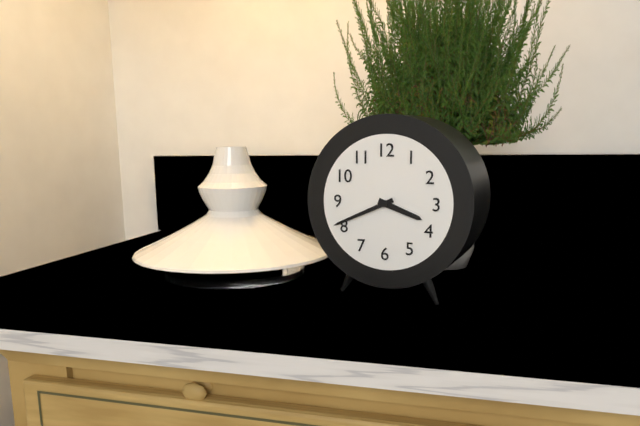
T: 3.41
